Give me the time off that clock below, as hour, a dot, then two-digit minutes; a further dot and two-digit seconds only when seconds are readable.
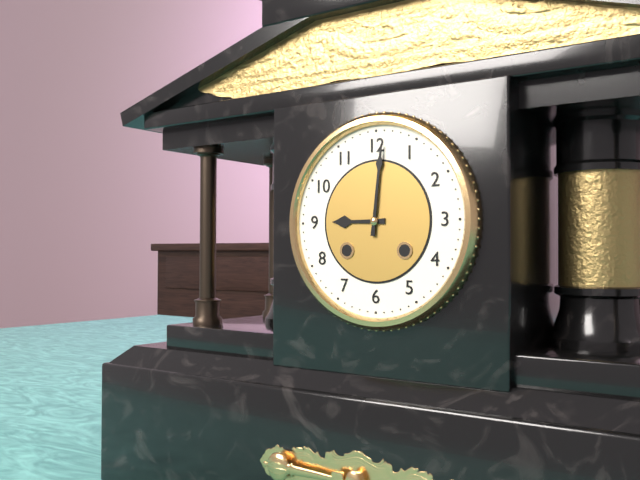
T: 9.01
